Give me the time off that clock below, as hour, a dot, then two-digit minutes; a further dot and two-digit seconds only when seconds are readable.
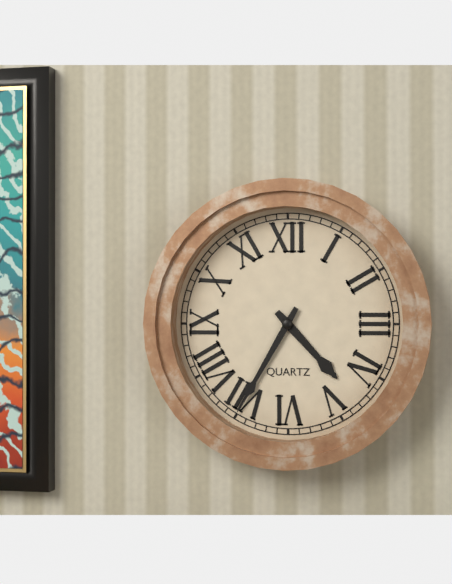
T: 4.35
